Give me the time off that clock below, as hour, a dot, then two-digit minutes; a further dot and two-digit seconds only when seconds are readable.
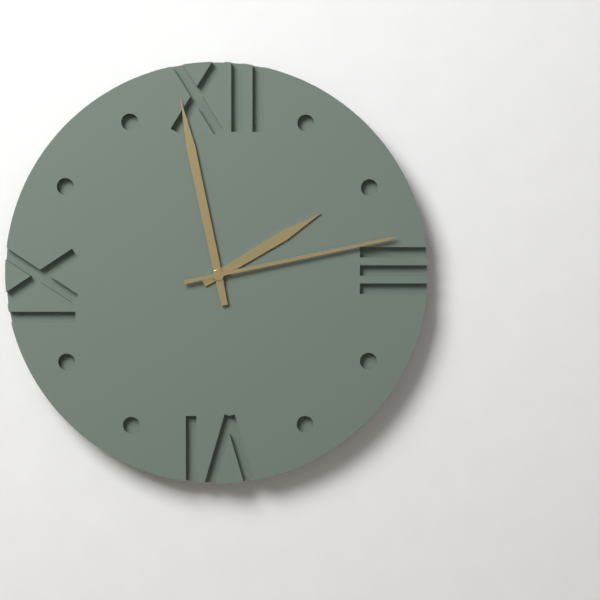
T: 1.58.13
